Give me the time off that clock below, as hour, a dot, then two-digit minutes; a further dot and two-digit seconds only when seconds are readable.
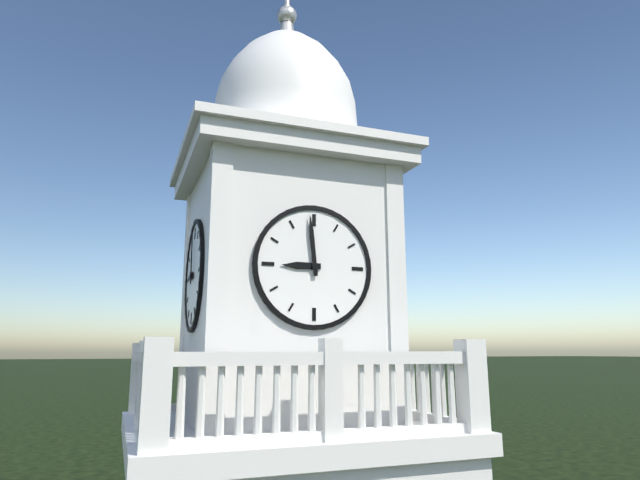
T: 8.59
